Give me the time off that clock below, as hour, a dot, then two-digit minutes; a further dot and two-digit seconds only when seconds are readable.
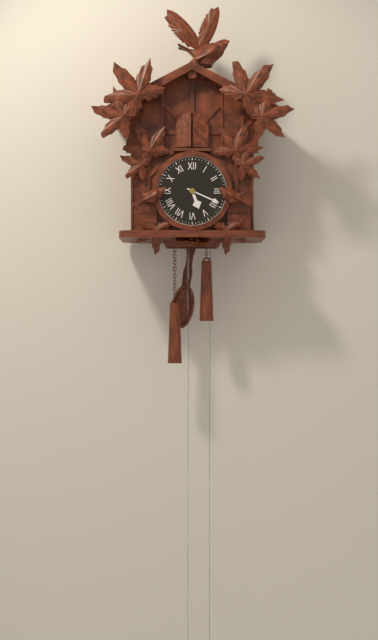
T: 5.19
